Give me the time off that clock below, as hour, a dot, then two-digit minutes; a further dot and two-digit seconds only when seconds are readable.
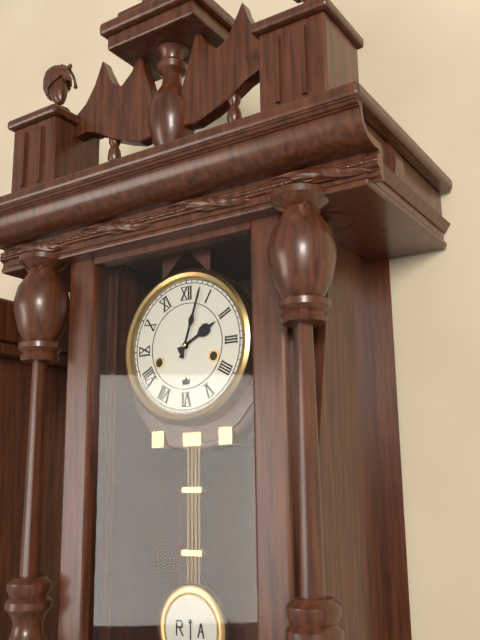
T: 2.03
